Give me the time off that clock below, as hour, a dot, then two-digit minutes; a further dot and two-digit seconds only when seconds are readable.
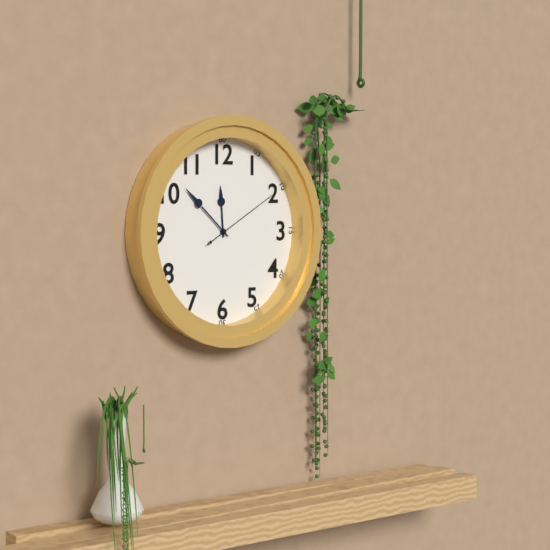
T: 11.52.10
